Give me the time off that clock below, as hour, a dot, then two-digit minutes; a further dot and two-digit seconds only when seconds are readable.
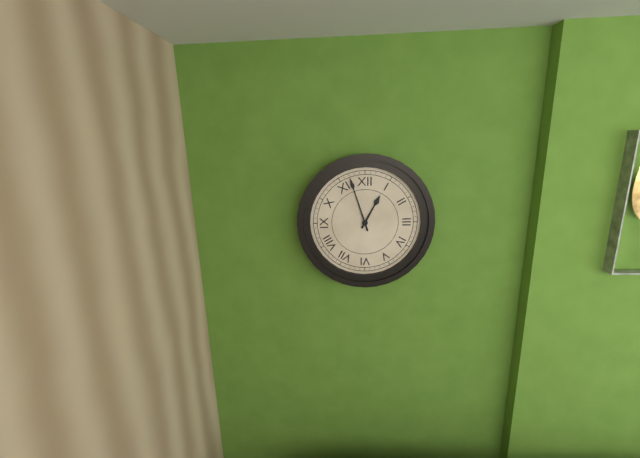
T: 12.57
